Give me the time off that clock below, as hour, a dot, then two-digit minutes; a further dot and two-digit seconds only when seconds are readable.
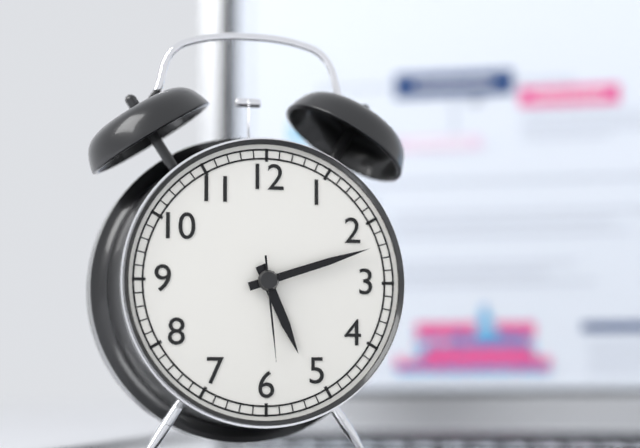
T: 5.12.29
